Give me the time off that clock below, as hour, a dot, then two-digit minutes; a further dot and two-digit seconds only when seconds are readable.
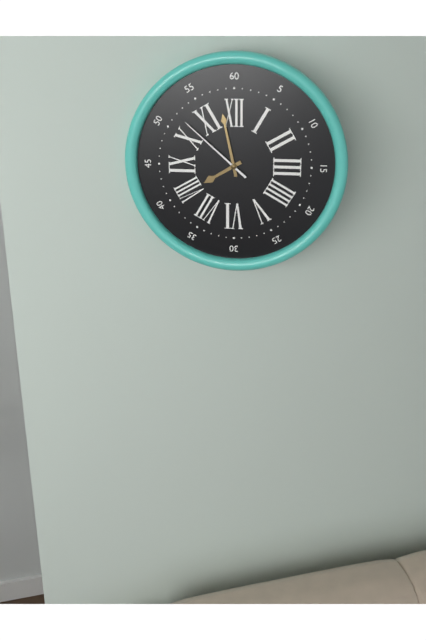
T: 7.58.52
